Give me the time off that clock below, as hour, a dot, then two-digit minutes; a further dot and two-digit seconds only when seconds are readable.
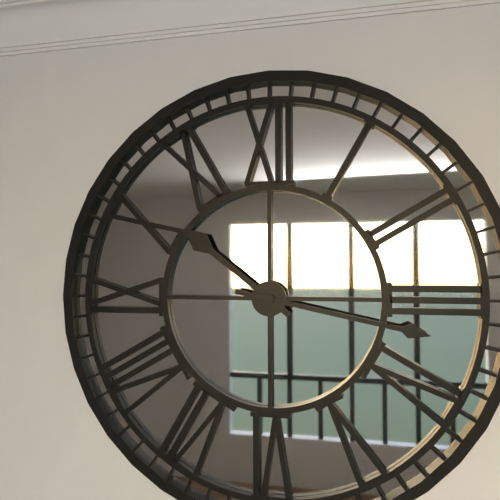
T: 10.17
